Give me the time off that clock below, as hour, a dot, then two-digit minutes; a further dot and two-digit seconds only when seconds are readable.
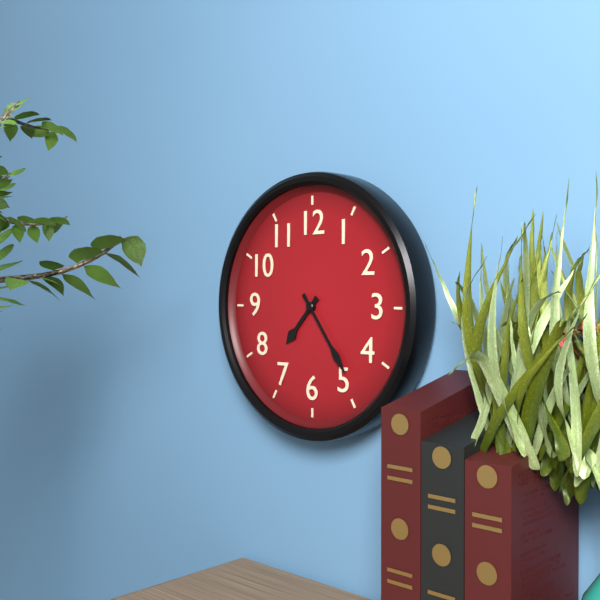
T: 7.24
